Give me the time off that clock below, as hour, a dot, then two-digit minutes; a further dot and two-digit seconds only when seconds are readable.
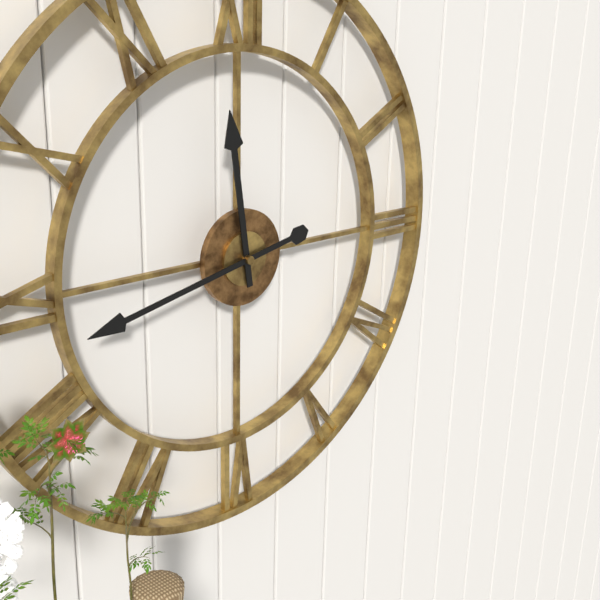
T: 11.43
